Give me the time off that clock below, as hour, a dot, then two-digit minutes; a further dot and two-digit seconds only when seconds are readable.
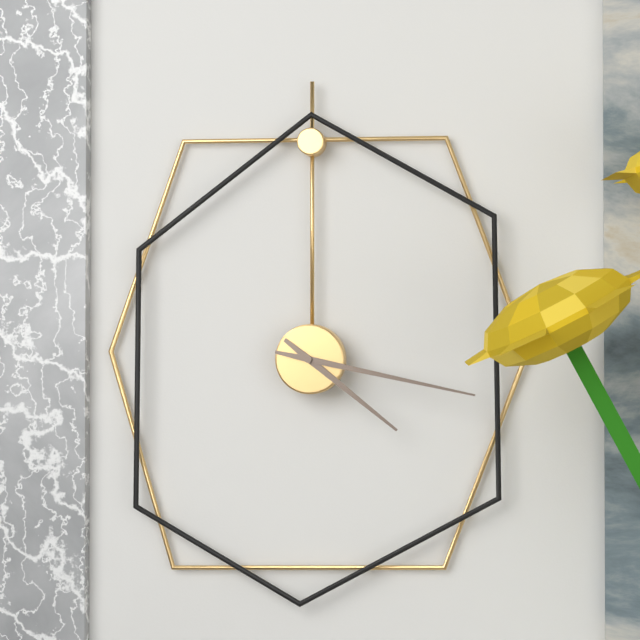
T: 4.17
